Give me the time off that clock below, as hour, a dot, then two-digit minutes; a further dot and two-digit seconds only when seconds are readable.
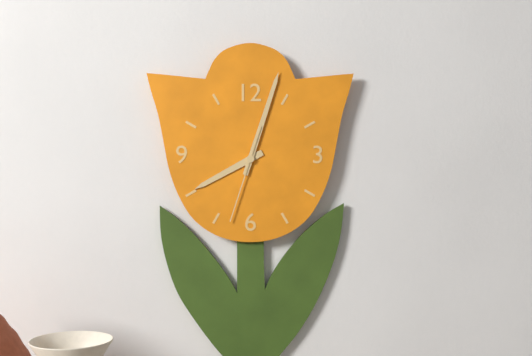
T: 8.03.33
